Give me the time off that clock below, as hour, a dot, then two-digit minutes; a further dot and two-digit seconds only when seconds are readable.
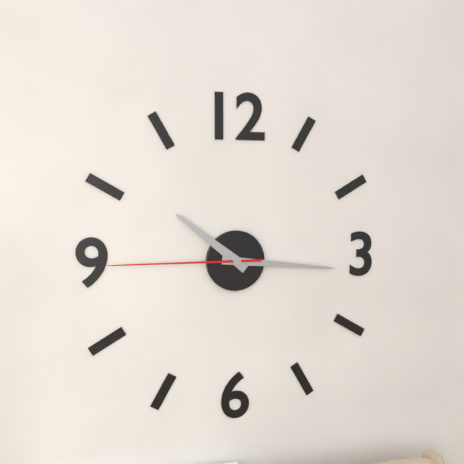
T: 10.16.45
